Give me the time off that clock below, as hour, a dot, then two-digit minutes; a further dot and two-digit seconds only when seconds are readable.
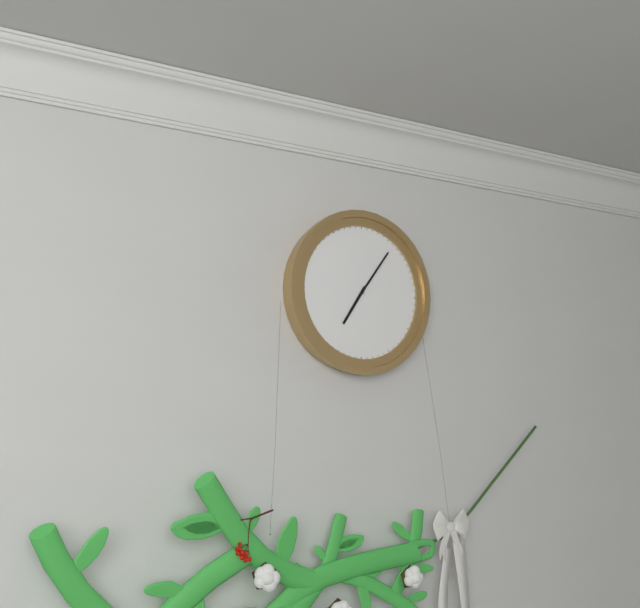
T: 7.06
